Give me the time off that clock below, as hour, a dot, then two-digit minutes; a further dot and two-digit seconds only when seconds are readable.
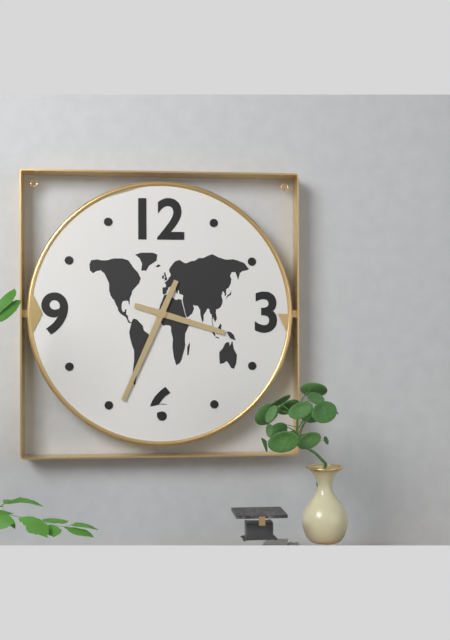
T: 3.34
